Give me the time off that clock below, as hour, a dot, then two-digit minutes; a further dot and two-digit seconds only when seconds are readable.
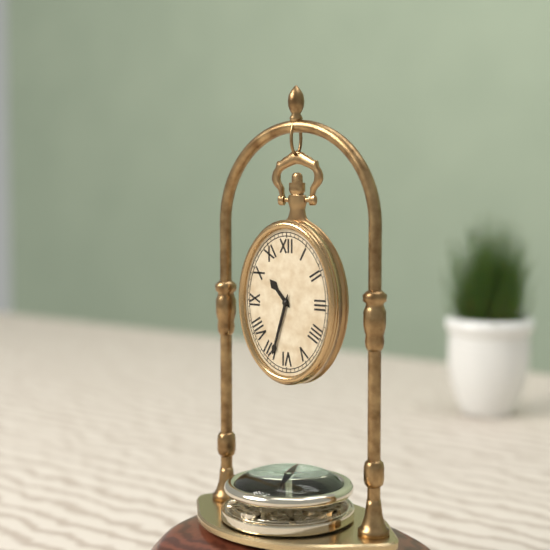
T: 10.33
